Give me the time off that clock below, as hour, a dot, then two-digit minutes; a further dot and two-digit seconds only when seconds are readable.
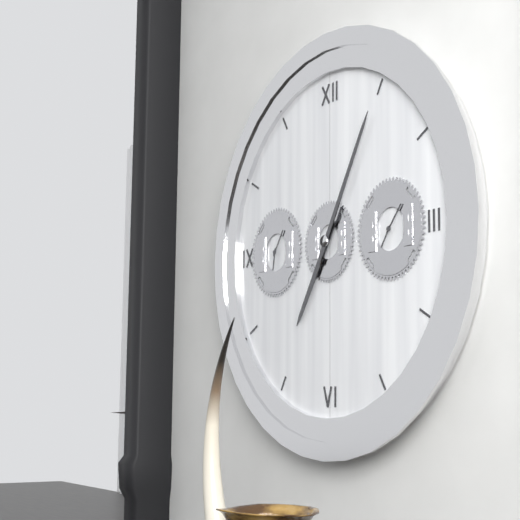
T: 7.05
